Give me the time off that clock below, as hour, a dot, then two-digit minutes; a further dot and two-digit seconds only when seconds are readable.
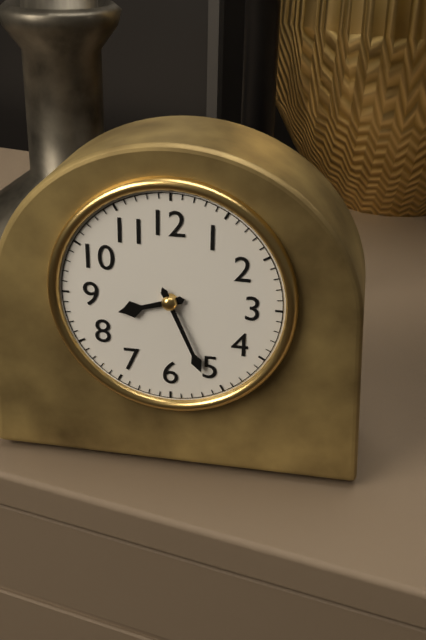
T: 8.26
